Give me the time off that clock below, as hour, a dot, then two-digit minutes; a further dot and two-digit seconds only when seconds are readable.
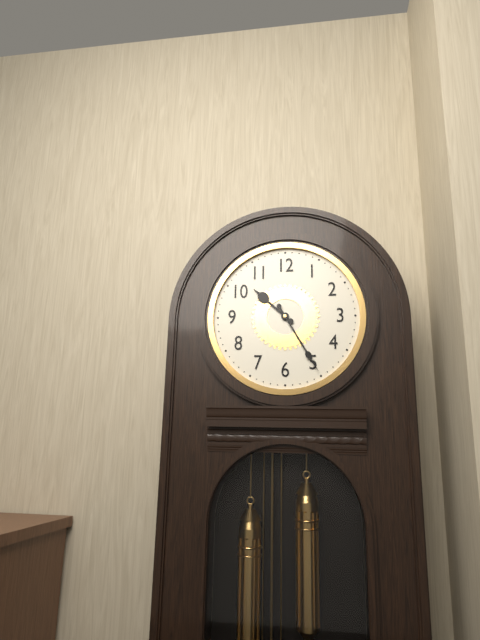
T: 10.25
